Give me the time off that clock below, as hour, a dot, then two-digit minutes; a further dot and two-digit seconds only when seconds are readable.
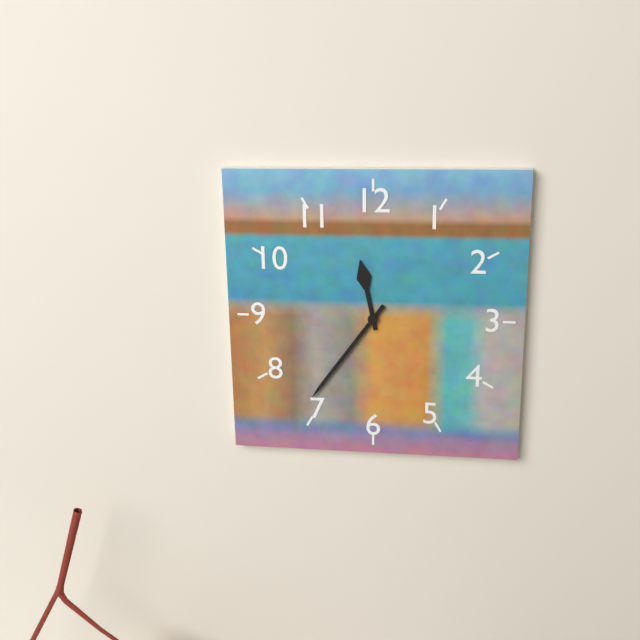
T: 11.36
